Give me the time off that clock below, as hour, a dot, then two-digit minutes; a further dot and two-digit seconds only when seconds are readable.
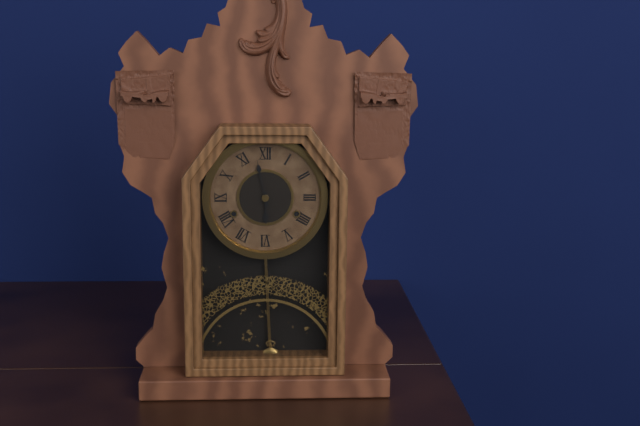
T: 5.58
